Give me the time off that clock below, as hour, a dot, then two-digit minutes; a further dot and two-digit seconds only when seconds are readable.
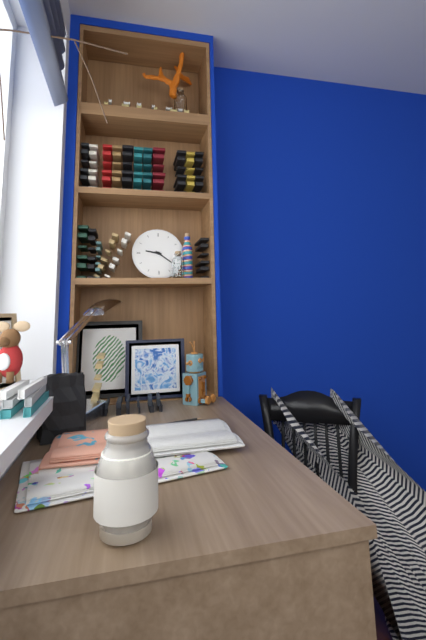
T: 9.21
